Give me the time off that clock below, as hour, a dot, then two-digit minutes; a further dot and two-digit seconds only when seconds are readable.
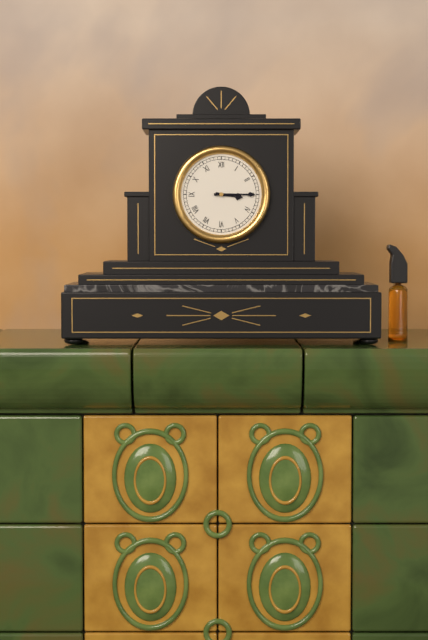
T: 3.15
